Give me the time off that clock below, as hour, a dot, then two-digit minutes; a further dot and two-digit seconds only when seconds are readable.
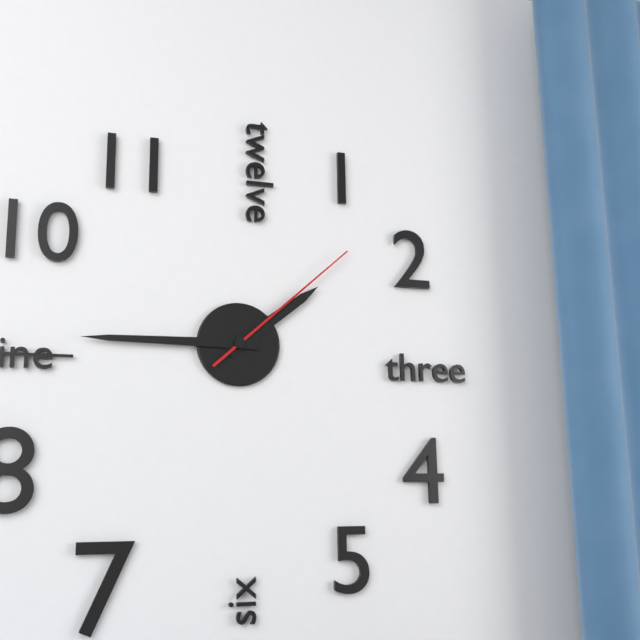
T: 1.45.08
